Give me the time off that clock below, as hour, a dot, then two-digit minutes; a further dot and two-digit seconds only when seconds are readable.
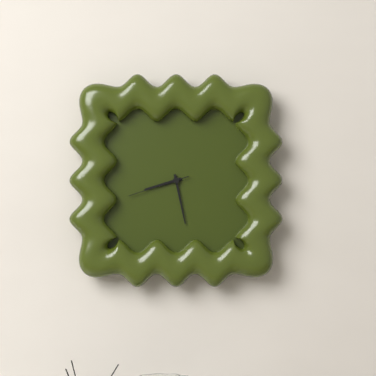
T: 8.28.42
